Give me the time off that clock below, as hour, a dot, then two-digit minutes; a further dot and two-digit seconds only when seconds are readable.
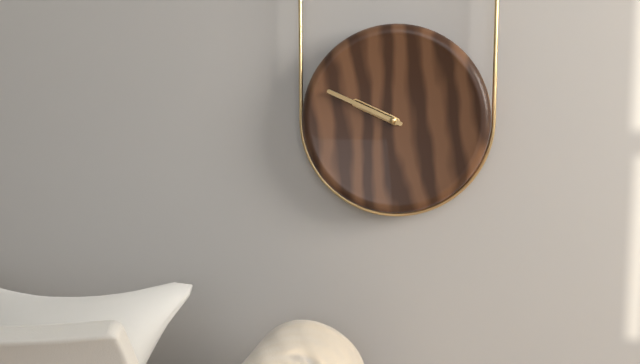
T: 9.49
